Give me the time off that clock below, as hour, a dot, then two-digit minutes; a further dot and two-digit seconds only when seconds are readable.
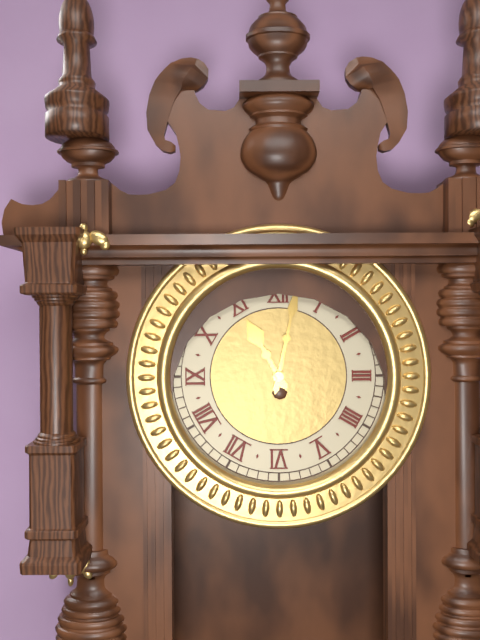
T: 11.02
